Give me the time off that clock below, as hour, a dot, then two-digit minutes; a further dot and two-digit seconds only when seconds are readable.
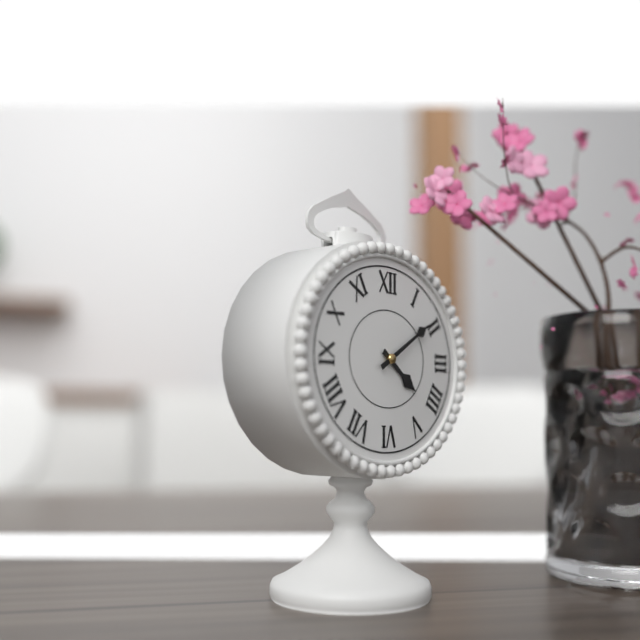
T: 4.10
